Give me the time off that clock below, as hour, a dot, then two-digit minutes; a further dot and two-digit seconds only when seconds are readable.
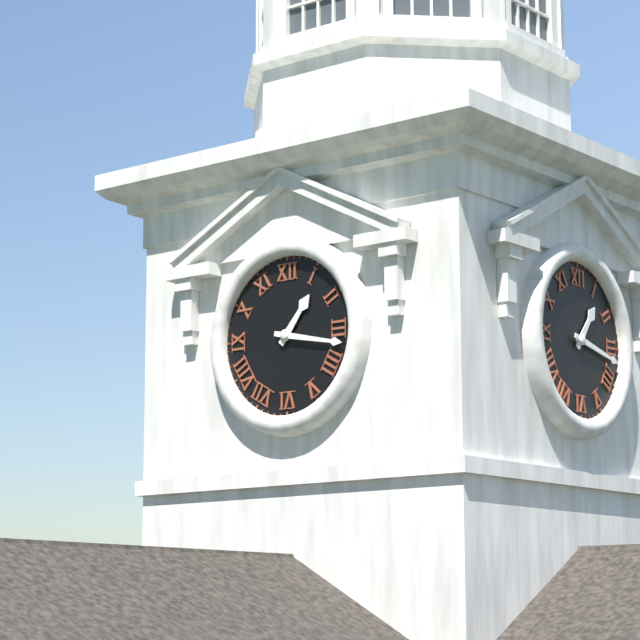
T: 1.17
